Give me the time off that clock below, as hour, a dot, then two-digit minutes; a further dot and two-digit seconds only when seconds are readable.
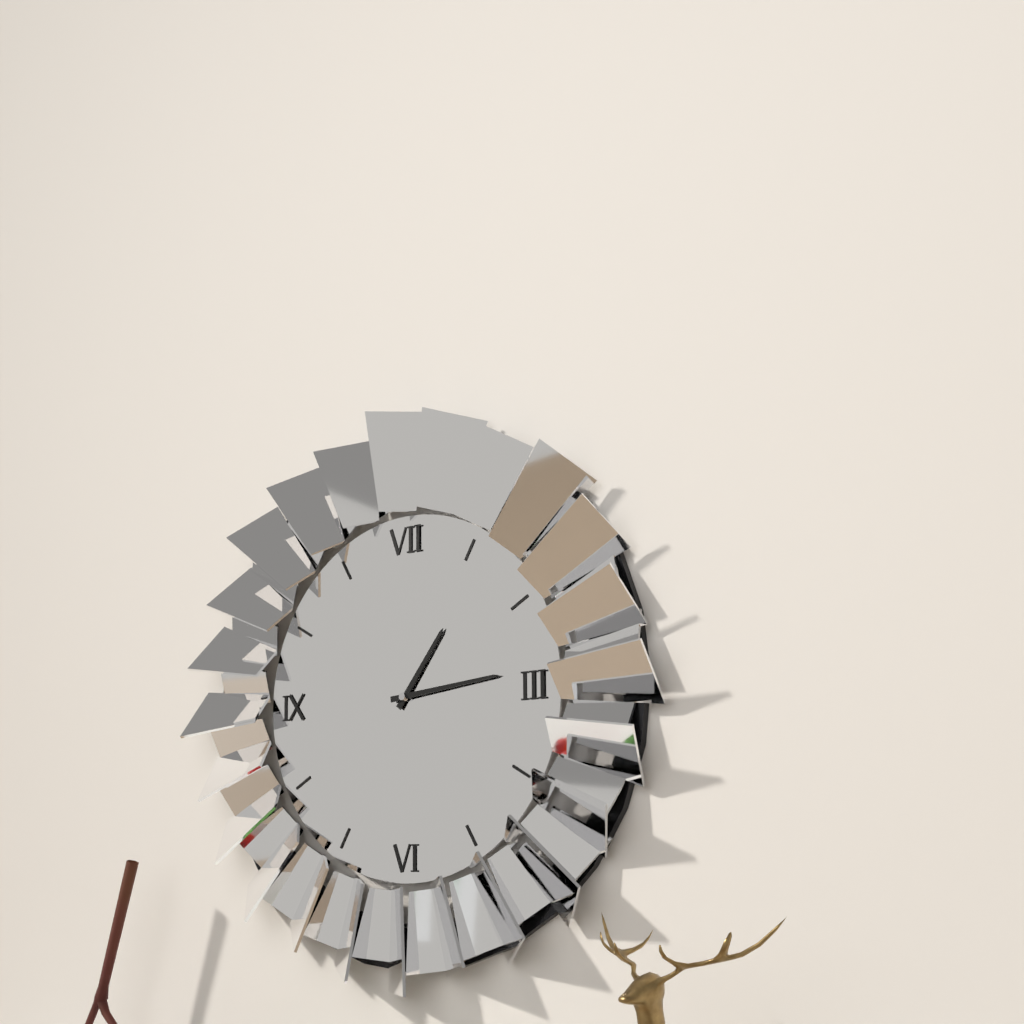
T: 1.14
